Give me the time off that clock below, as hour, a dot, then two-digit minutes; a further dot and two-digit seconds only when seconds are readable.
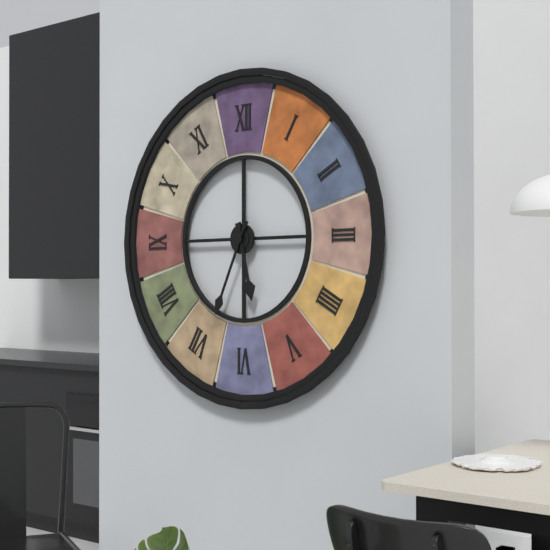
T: 5.34
